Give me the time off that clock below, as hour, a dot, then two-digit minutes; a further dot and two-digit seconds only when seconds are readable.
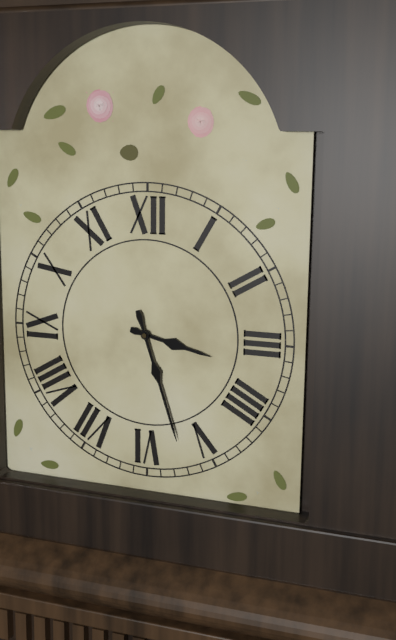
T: 3.27
